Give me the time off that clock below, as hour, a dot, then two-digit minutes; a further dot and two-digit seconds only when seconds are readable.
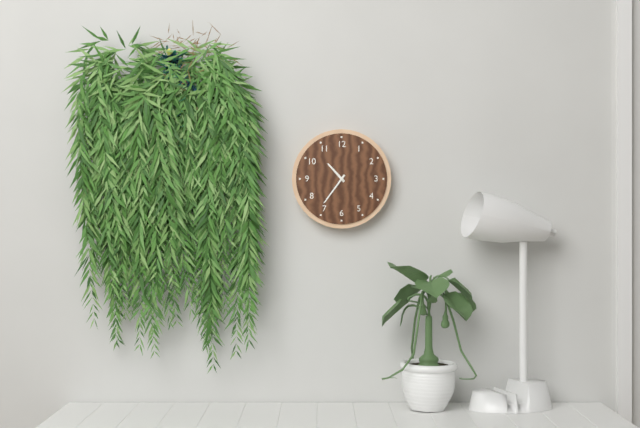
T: 10.36
